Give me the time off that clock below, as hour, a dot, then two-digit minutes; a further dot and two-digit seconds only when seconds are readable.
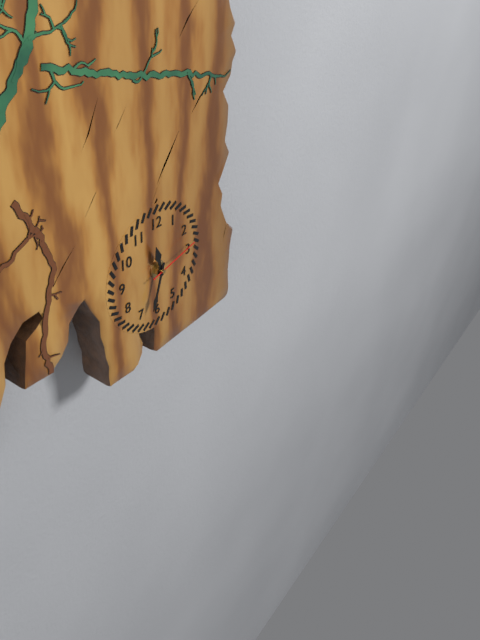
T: 11.33.13
